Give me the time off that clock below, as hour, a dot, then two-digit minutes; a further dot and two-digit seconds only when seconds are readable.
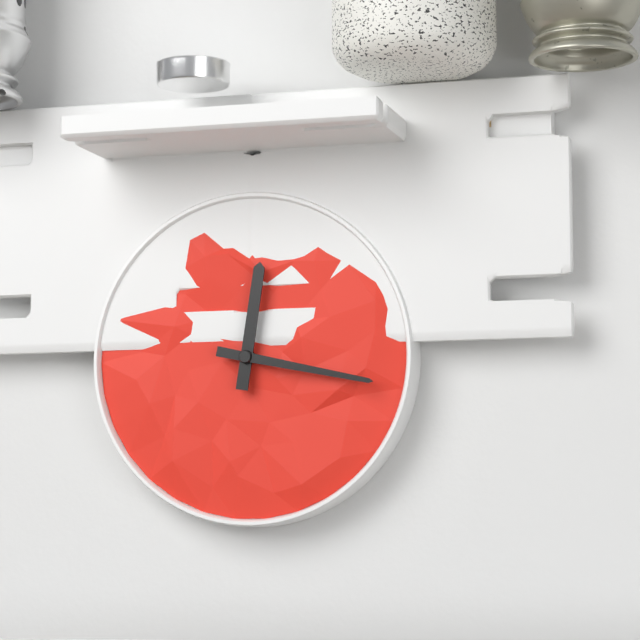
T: 12.17
